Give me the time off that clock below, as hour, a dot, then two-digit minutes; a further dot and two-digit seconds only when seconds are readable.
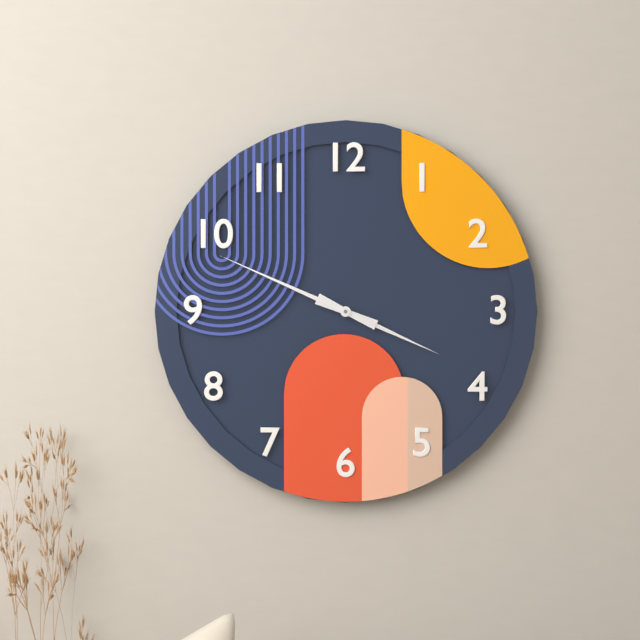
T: 3.49
